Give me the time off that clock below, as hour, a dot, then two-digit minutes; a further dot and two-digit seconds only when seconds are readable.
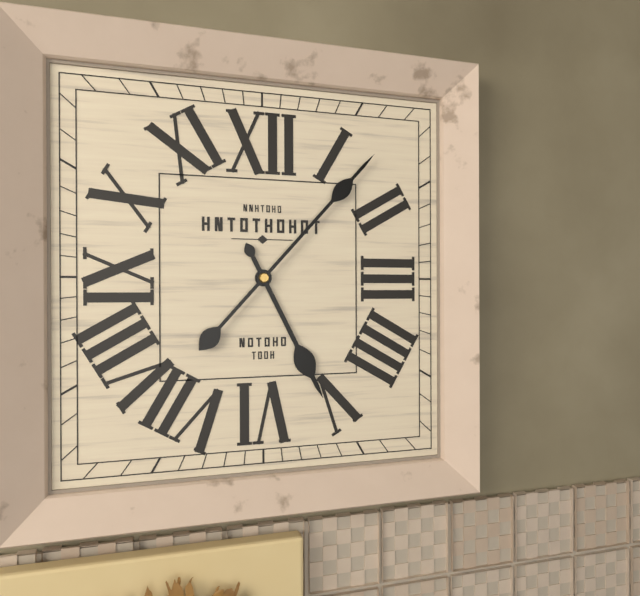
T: 5.07
